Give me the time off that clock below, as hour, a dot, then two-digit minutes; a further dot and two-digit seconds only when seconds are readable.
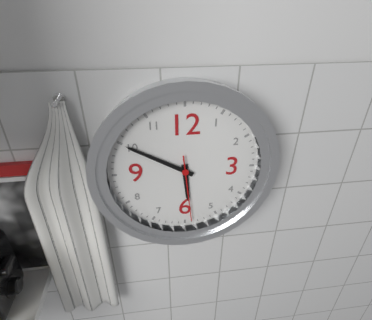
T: 5.50.29
